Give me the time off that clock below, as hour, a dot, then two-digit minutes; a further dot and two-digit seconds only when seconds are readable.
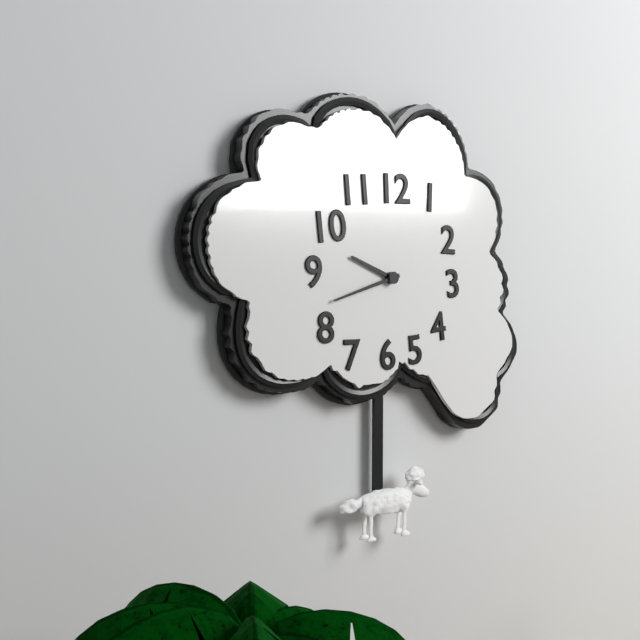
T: 9.42
